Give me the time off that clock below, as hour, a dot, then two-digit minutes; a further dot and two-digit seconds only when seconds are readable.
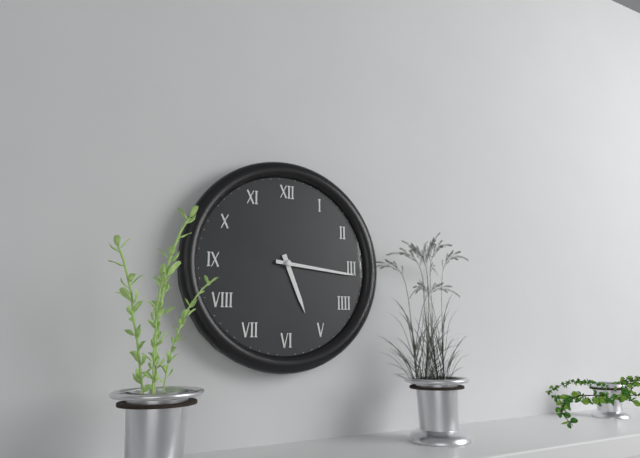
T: 5.16
